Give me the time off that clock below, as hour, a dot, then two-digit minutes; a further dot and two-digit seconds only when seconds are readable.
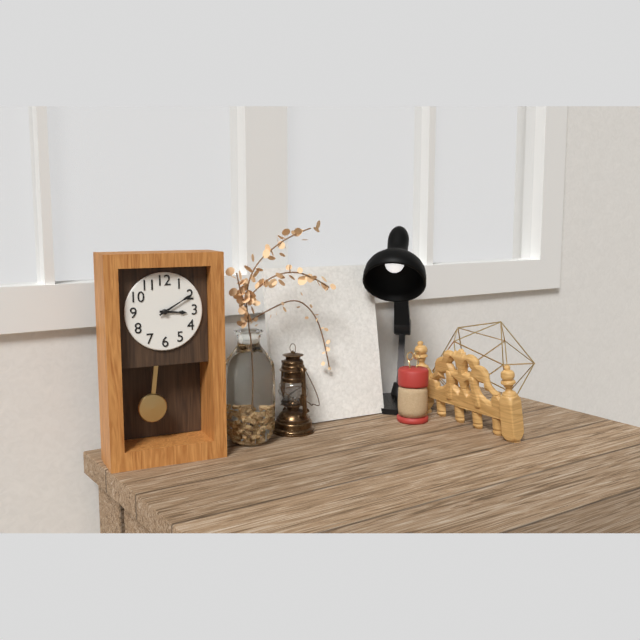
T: 3.10
